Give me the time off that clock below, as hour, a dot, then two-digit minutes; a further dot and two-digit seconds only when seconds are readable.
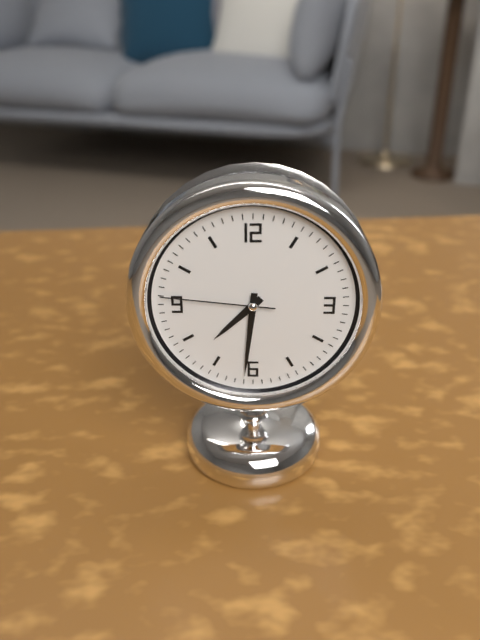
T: 7.31.46
